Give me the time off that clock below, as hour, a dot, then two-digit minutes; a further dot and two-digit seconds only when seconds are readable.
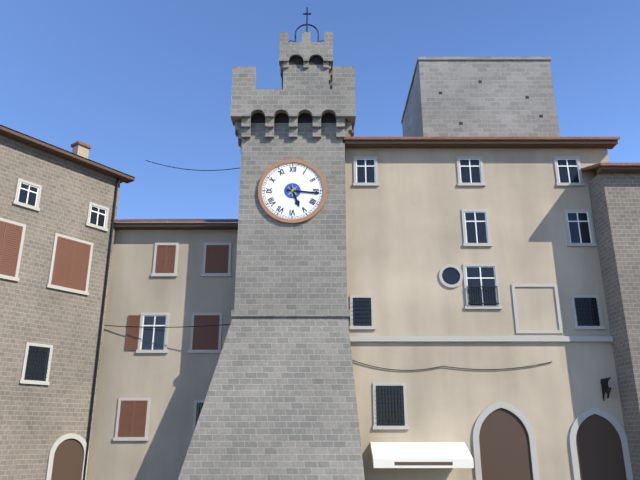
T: 5.16
